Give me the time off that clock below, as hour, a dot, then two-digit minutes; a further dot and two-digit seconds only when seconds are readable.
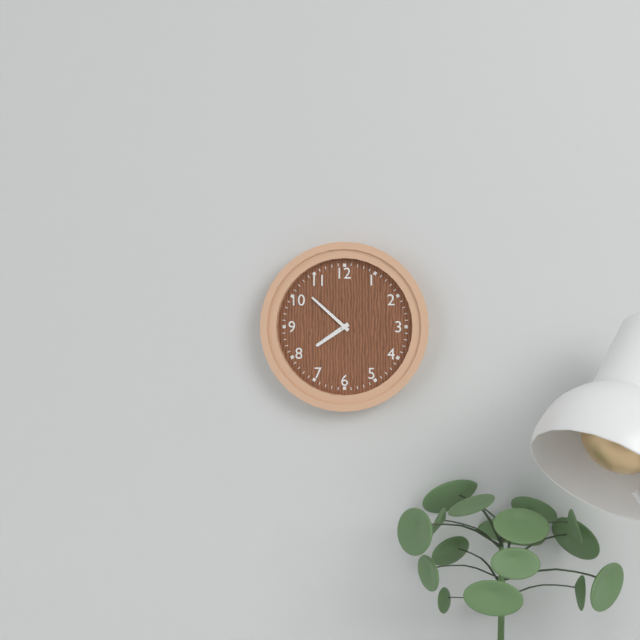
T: 7.52
